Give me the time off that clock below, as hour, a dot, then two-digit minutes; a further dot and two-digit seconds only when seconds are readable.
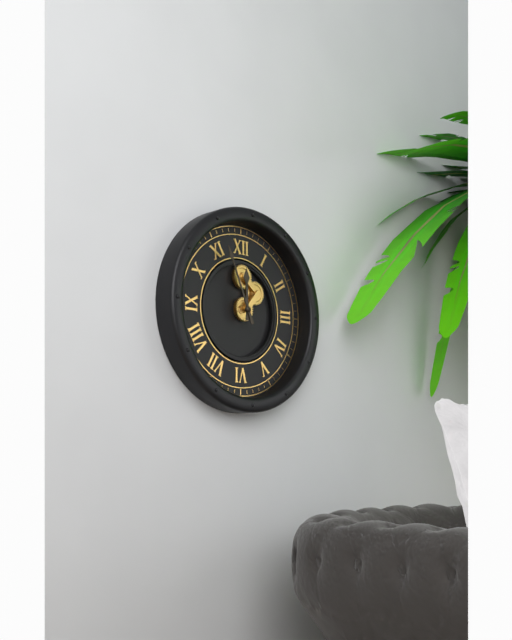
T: 11.56
